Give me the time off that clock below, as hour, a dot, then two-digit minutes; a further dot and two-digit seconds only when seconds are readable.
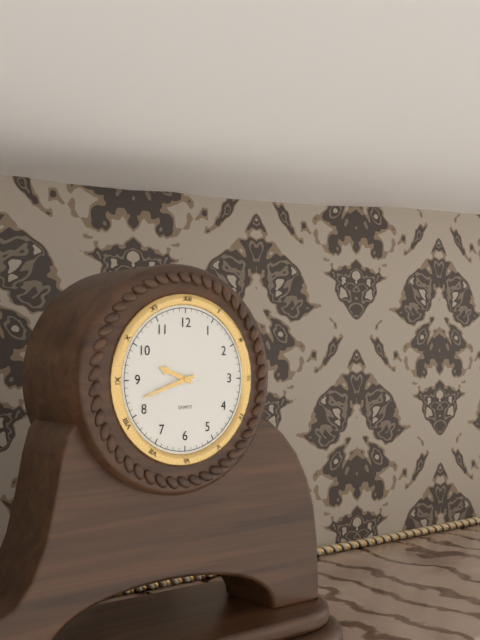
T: 9.42
